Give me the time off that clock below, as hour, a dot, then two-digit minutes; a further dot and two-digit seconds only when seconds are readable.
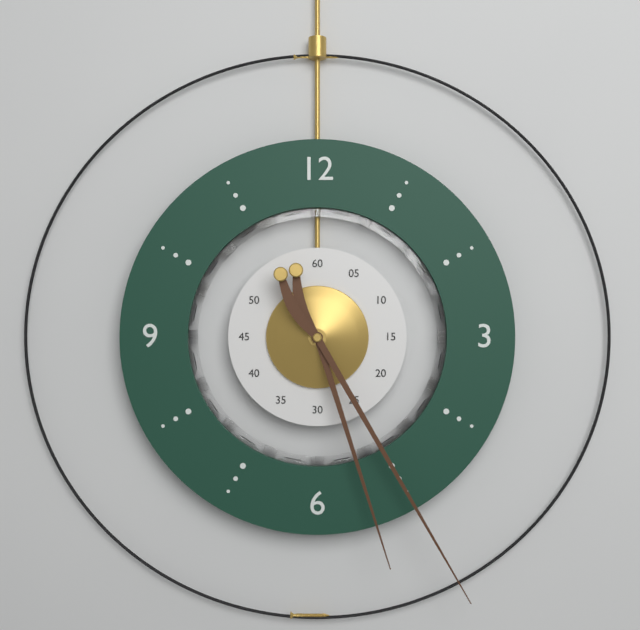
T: 5.25
